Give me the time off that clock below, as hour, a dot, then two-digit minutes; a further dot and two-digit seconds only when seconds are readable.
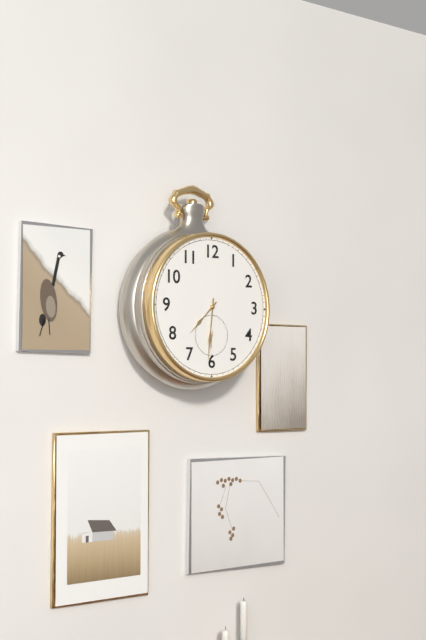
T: 7.31
